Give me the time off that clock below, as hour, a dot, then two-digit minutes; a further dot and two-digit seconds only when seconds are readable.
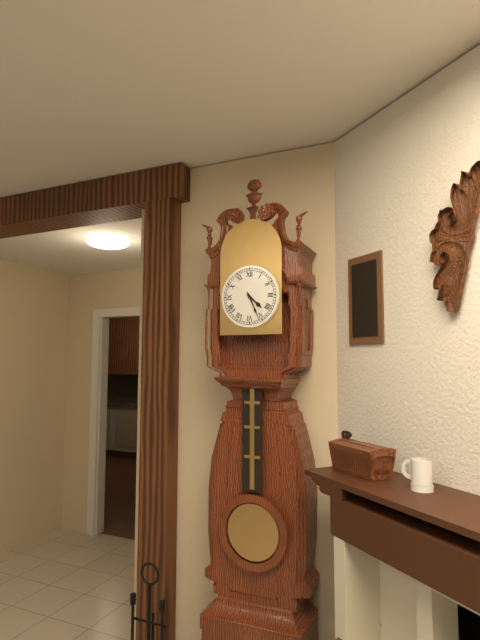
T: 4.26
